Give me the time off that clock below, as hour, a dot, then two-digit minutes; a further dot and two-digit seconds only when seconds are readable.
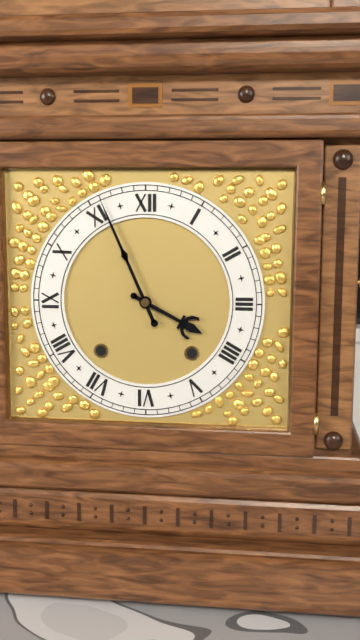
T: 3.56
